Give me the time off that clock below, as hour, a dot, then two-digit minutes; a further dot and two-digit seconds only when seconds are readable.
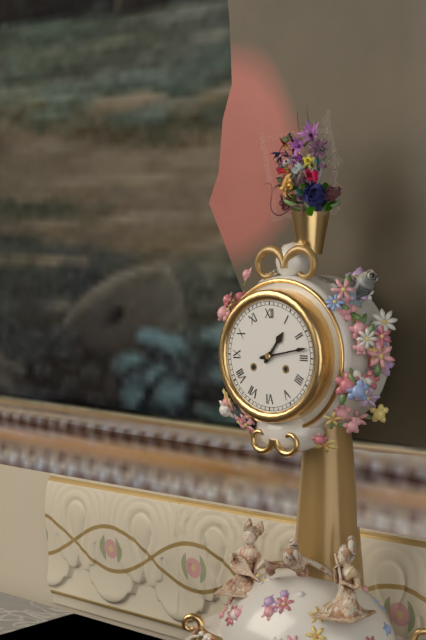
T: 1.13
